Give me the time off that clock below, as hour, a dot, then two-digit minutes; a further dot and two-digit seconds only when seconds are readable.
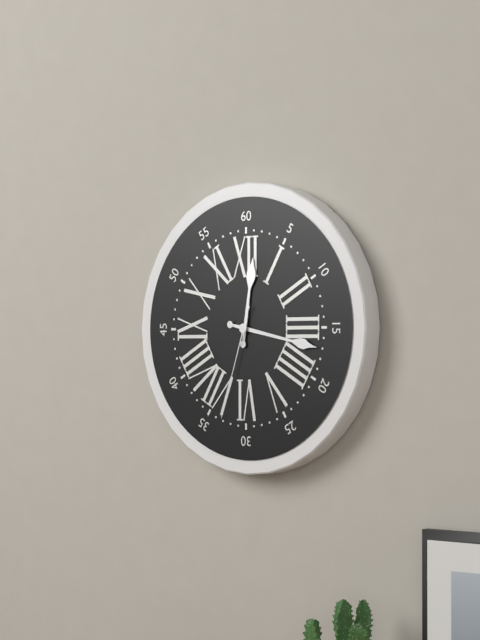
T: 12.17.33
